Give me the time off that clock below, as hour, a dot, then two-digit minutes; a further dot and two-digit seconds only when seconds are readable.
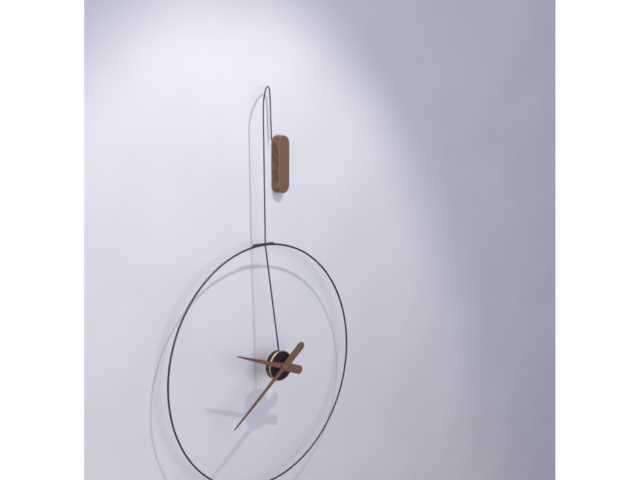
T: 9.39
